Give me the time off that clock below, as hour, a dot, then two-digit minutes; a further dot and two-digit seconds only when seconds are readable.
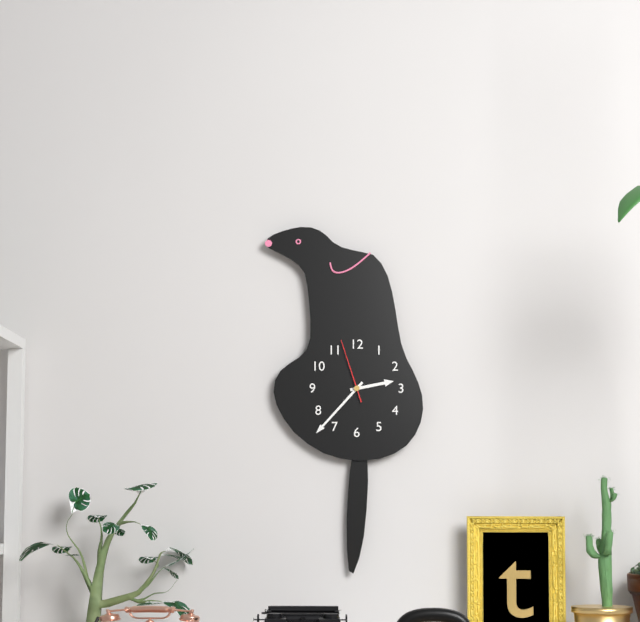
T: 2.37.57
